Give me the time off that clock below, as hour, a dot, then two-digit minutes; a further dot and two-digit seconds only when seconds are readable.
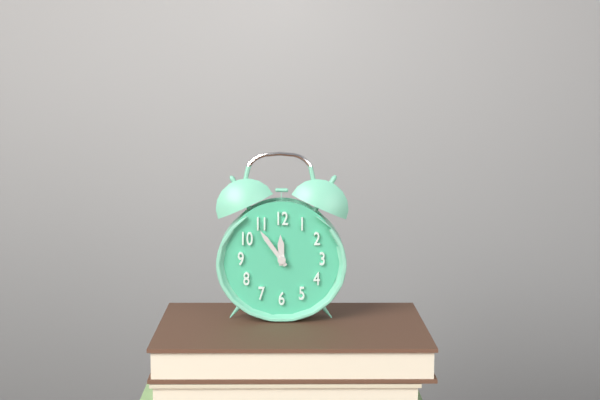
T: 11.54
